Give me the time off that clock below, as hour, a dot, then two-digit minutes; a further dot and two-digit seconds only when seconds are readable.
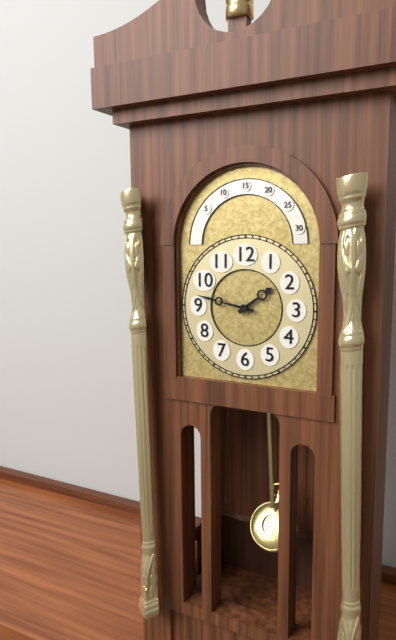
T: 1.47
